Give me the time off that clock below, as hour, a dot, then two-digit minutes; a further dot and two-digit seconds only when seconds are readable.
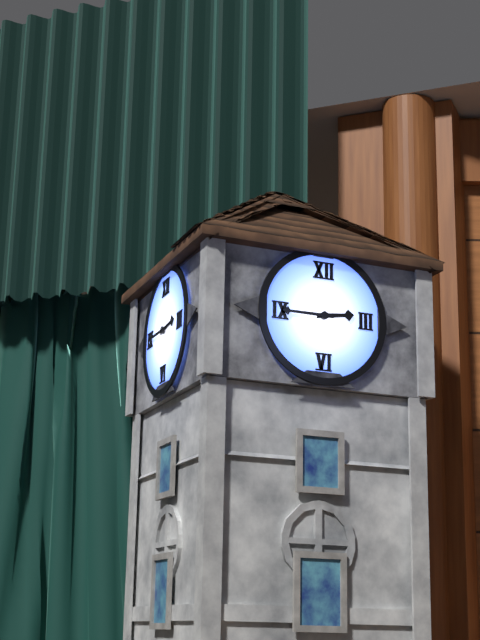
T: 2.45
